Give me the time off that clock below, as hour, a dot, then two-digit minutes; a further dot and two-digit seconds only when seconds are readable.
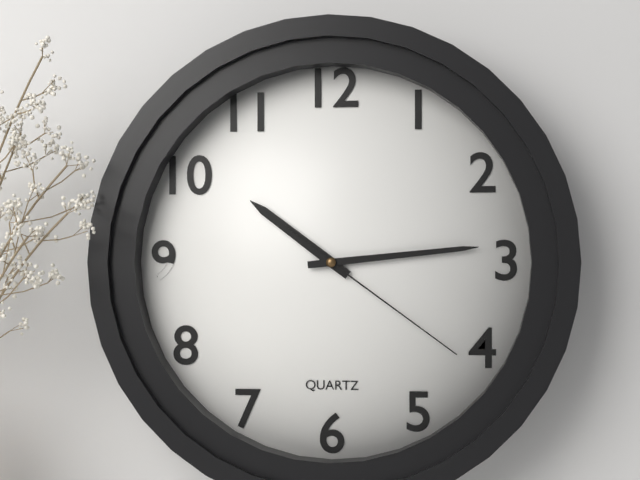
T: 10.14.21
